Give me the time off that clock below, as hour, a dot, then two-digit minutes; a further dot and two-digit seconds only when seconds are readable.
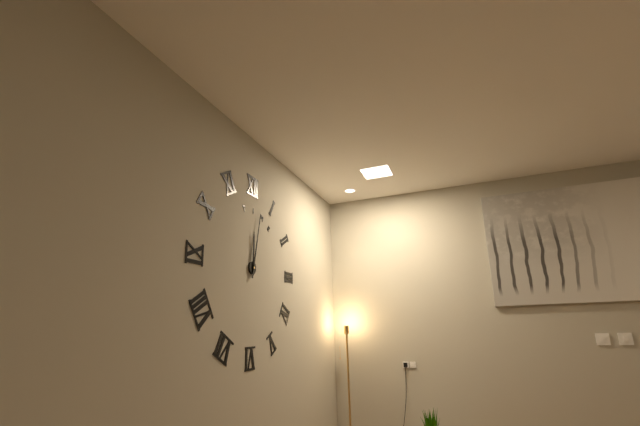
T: 12.02
